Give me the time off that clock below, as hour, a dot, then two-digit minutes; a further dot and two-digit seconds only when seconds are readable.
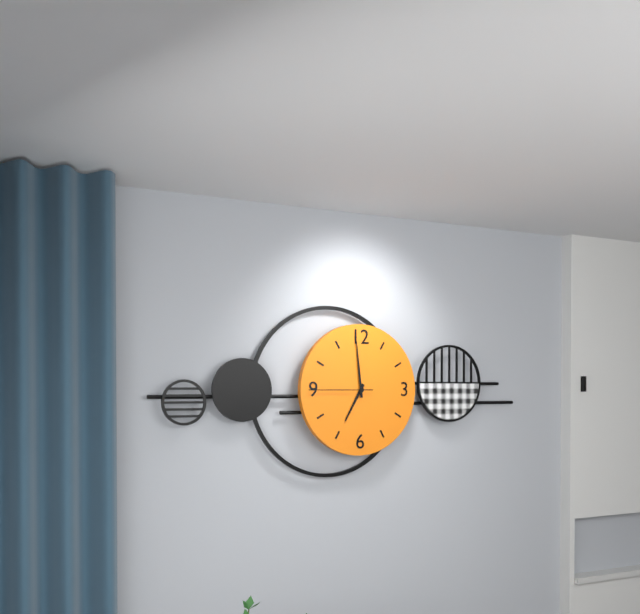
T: 6.59.45
